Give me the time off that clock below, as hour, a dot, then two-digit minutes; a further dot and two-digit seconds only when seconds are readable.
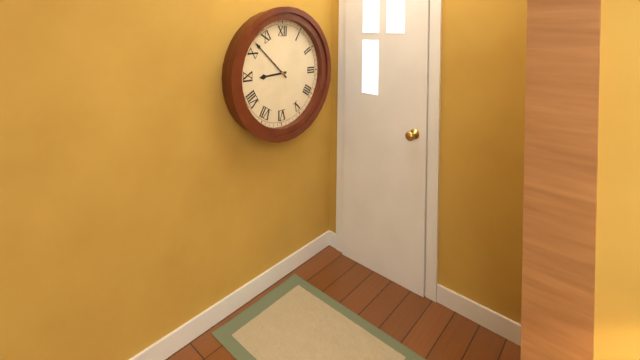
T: 8.52
